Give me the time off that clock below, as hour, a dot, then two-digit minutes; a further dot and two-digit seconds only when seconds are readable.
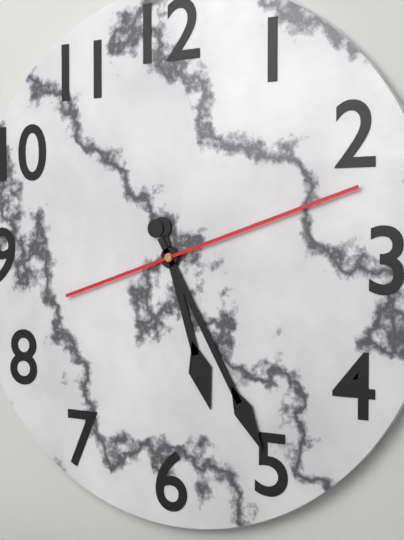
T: 5.25.12
